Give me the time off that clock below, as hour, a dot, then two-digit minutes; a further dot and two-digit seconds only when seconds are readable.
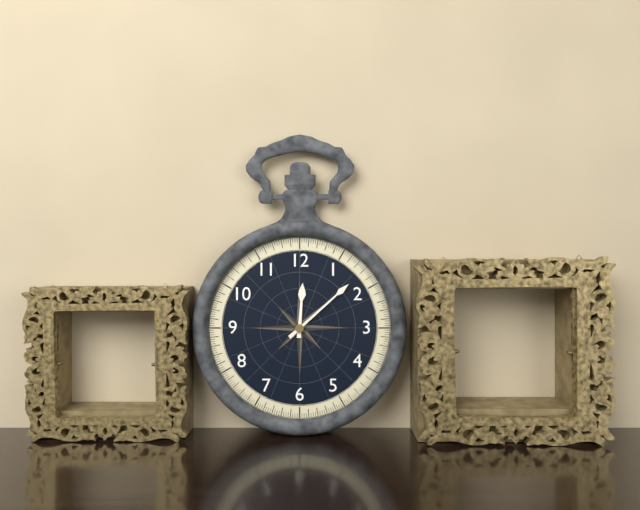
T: 12.08
